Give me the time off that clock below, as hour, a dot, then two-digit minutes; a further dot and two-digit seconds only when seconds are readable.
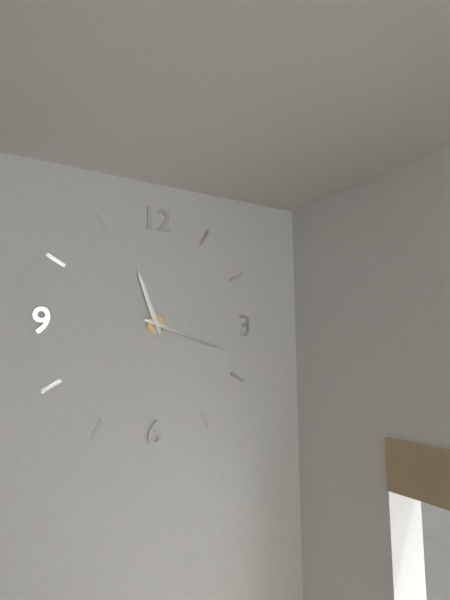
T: 11.18
